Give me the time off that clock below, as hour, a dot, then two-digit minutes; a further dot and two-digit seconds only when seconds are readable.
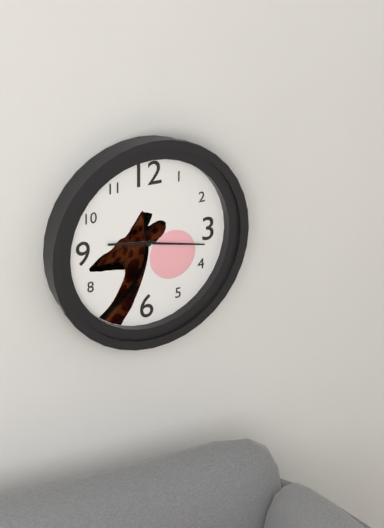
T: 9.17
